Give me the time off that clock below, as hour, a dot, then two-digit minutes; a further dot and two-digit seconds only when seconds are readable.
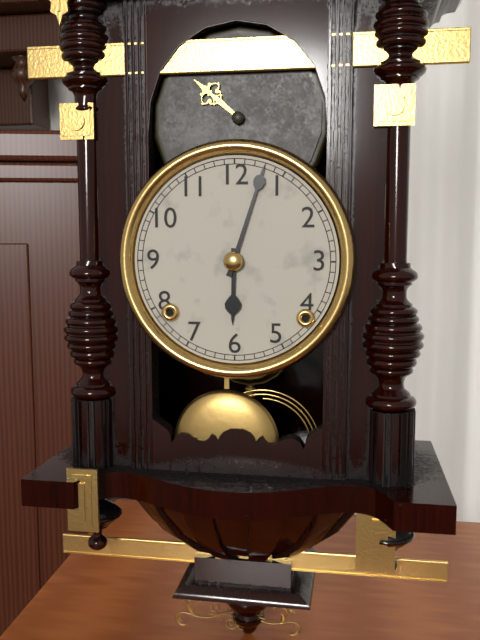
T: 6.03
